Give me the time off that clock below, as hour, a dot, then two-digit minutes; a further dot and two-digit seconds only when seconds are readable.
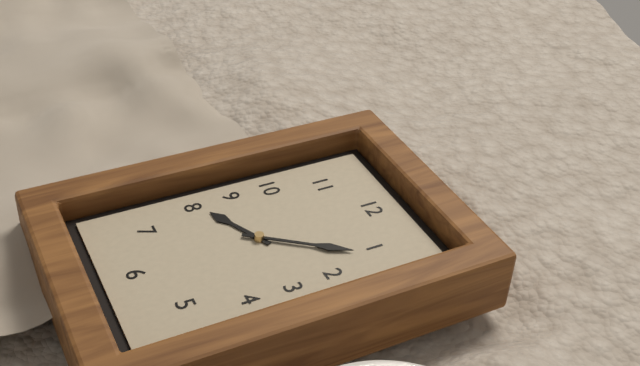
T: 8.06
